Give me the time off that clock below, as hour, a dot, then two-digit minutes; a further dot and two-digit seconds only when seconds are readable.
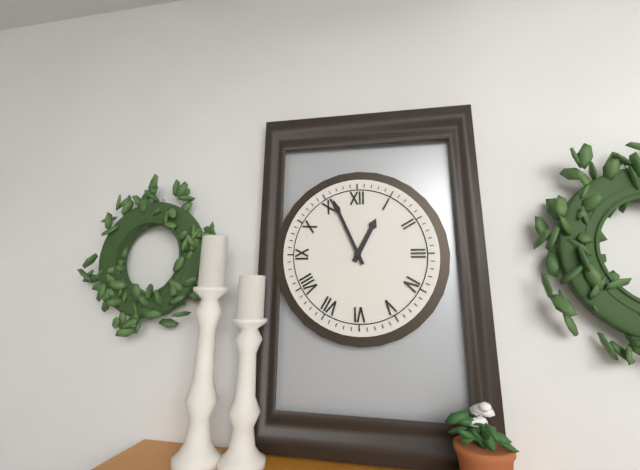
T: 12.56
